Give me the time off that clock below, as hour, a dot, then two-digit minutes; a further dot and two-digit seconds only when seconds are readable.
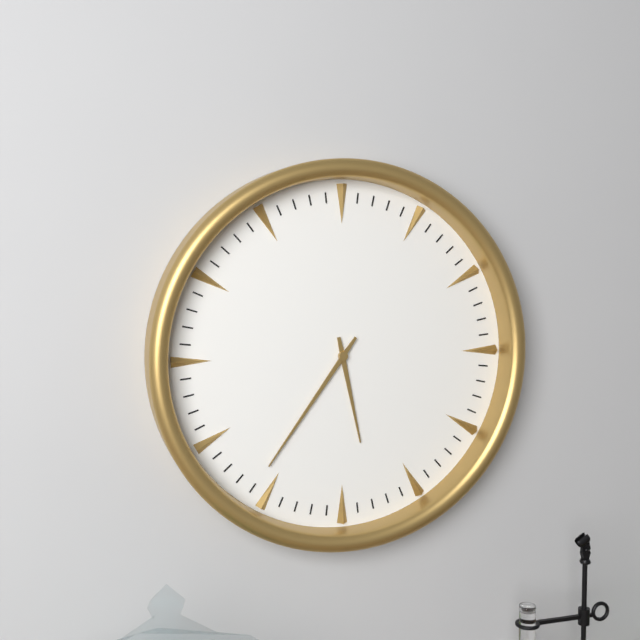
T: 5.36
